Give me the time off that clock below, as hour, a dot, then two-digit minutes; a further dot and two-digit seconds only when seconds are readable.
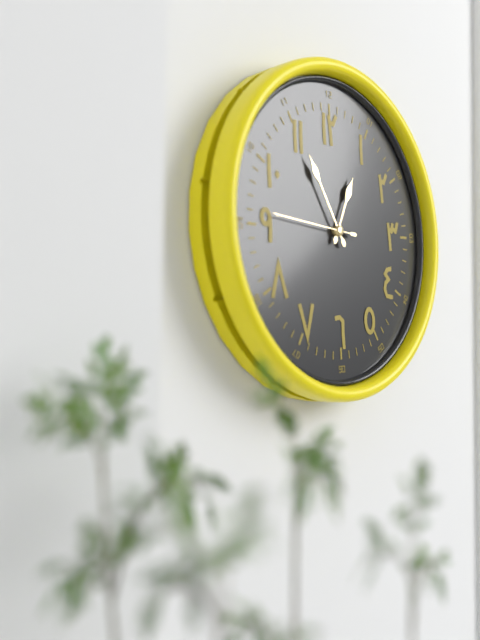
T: 12.55.46
